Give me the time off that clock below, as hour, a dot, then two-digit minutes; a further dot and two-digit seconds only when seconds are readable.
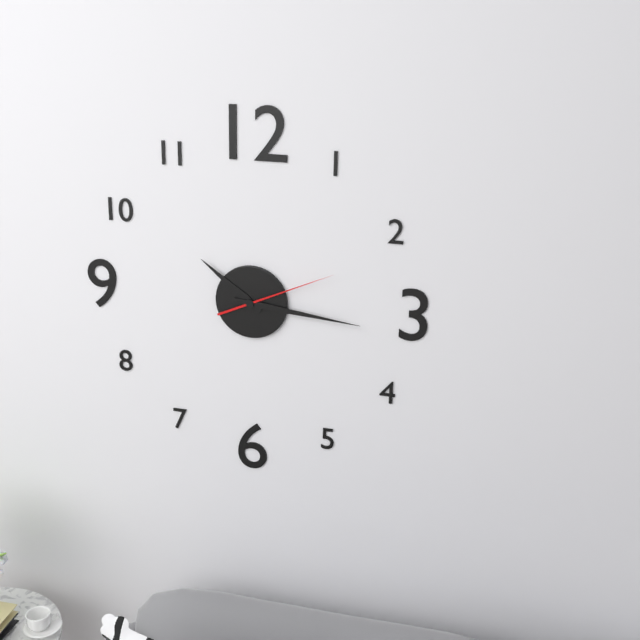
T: 10.16.11
